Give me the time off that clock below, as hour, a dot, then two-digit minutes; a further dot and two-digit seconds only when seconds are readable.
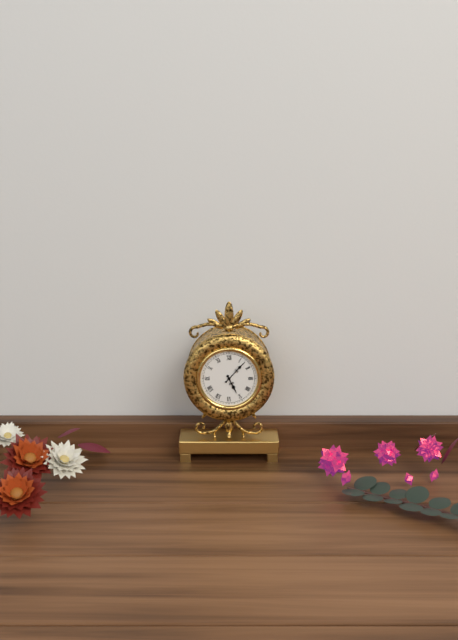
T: 5.07
